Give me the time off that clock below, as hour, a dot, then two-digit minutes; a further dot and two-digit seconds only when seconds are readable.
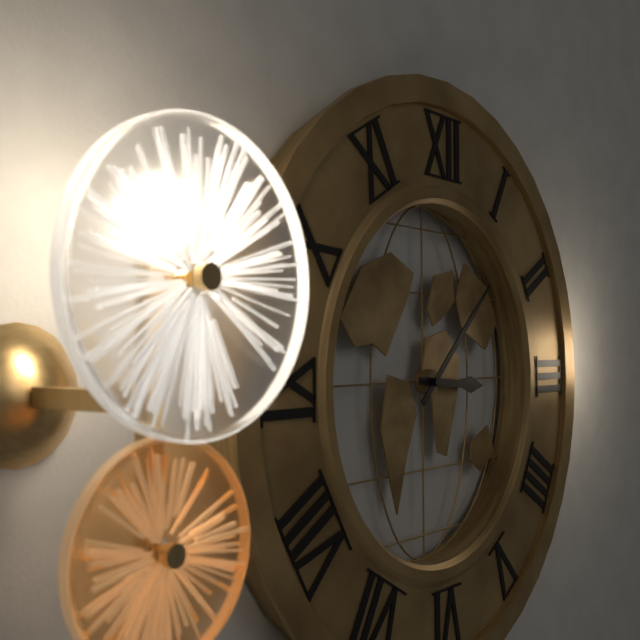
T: 3.08
